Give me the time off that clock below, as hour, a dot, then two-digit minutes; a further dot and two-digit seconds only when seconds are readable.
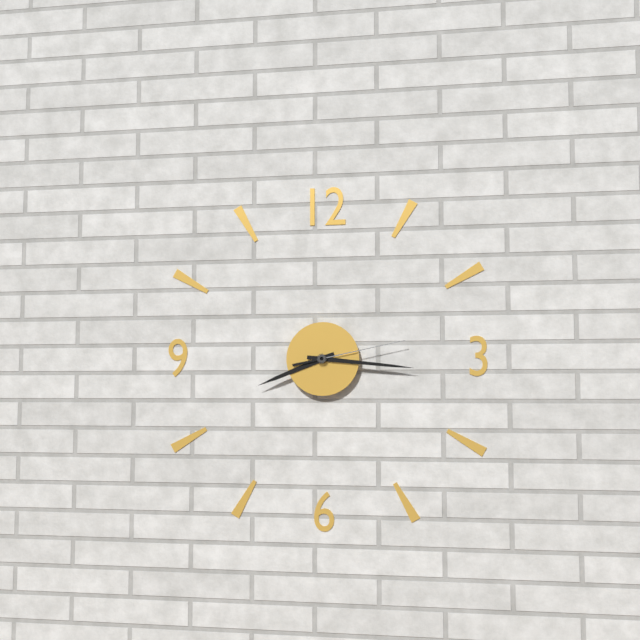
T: 8.16.13
